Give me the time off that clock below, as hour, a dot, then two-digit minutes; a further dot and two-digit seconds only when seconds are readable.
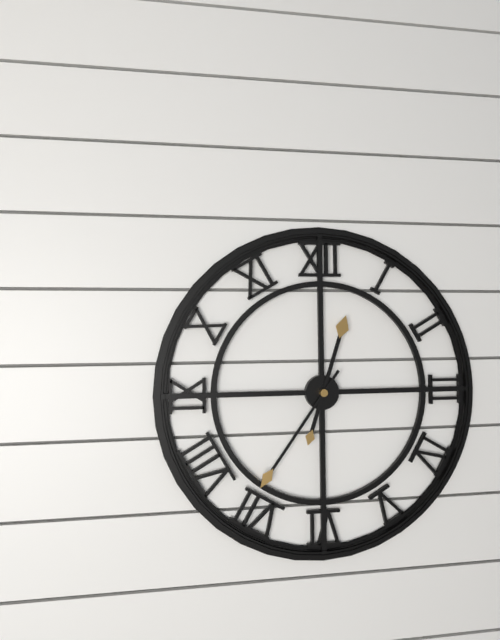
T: 12.36
